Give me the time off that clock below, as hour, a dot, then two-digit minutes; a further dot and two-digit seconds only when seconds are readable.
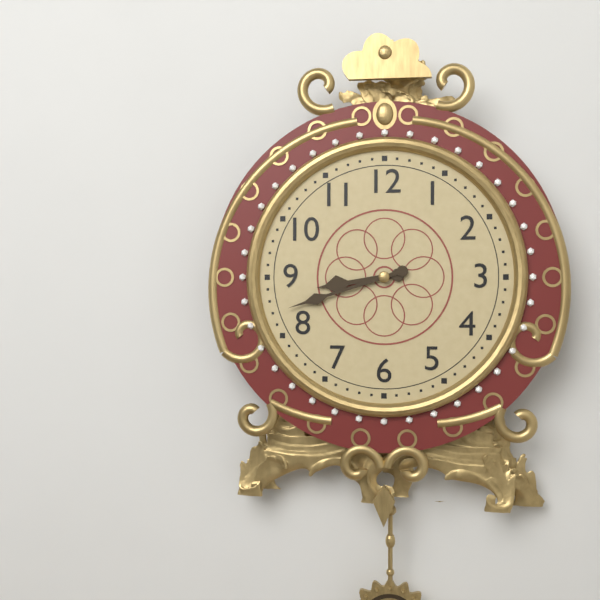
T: 8.42
